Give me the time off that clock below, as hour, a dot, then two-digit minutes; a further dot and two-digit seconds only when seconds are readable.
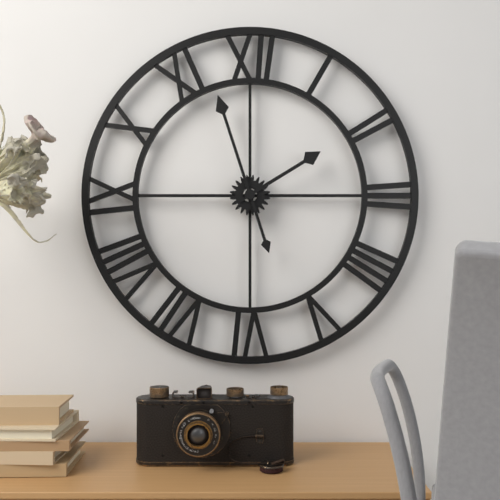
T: 1.57
